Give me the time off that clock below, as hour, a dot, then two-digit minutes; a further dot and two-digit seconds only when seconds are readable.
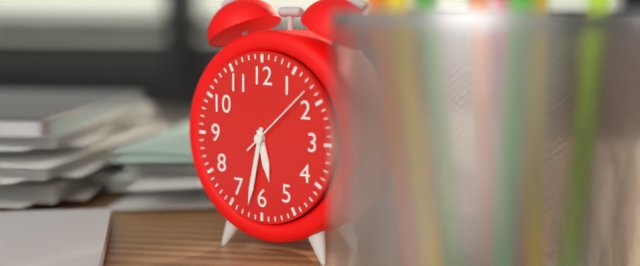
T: 5.32.08
